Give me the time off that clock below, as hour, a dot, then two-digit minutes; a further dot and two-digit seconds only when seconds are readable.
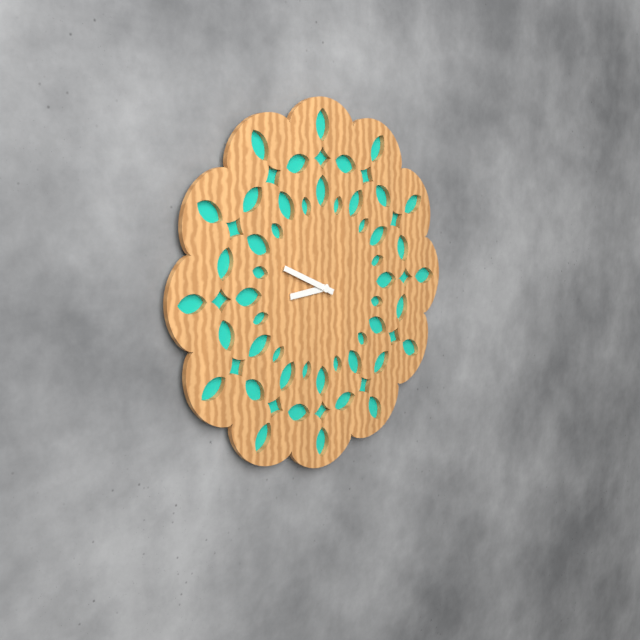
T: 8.49
